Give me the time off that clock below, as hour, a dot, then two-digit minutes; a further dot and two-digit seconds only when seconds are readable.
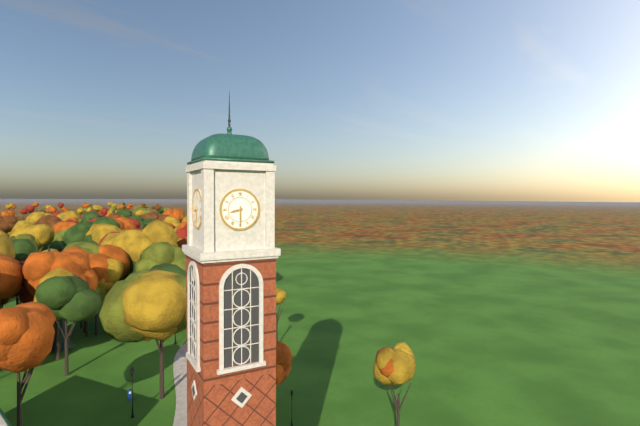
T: 8.30
